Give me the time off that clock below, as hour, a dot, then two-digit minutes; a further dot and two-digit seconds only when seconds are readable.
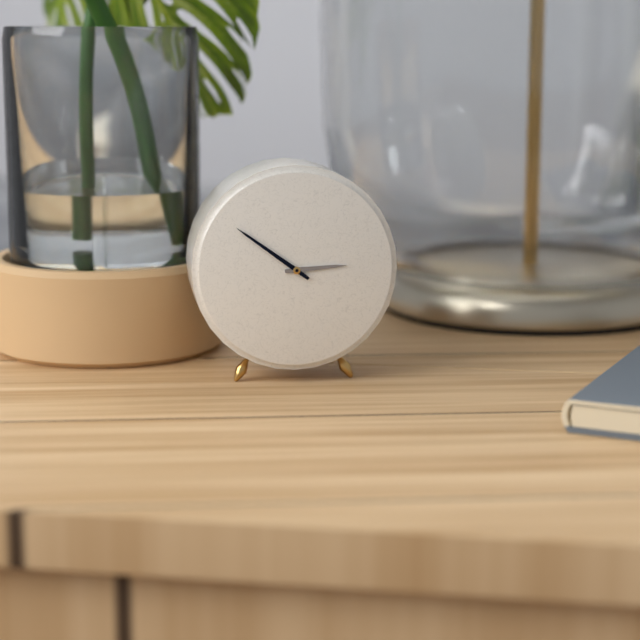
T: 2.51
